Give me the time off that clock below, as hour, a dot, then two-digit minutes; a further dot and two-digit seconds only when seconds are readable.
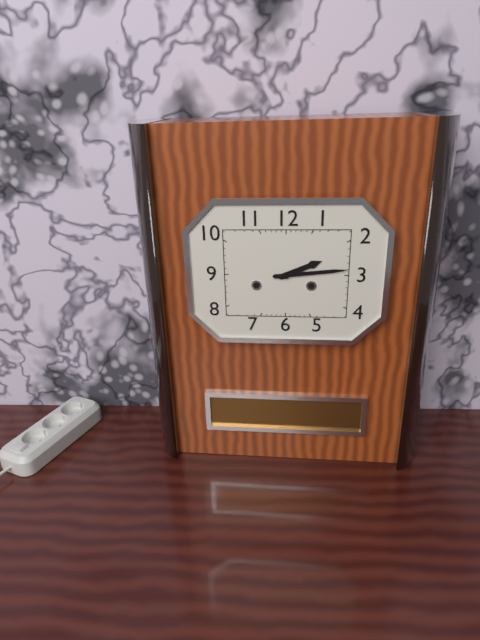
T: 2.14
